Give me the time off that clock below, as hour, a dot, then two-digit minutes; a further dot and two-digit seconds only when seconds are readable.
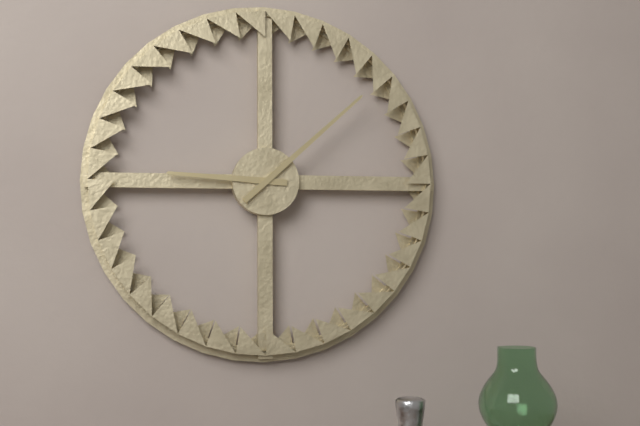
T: 9.08
